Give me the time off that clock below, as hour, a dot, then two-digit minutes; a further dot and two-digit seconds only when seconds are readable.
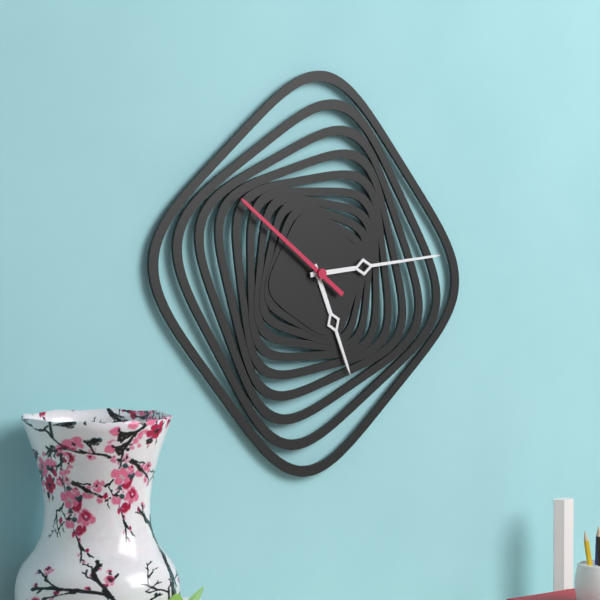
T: 5.14.51
